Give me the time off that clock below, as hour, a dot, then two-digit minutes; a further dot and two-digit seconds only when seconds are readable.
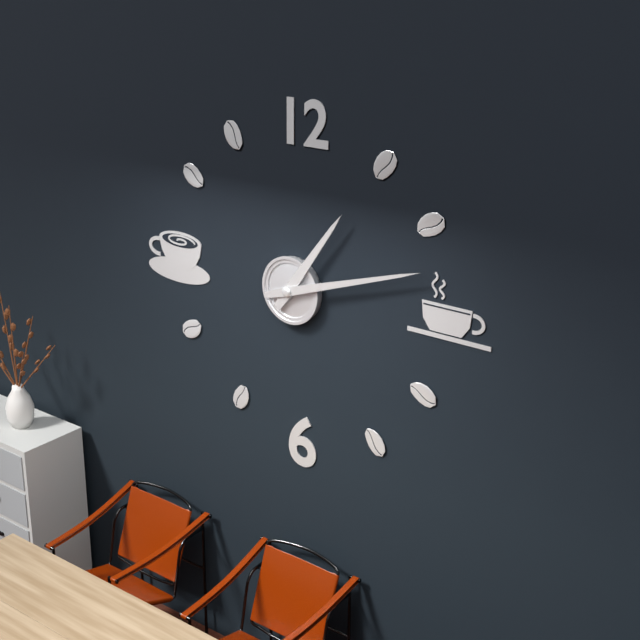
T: 1.12
